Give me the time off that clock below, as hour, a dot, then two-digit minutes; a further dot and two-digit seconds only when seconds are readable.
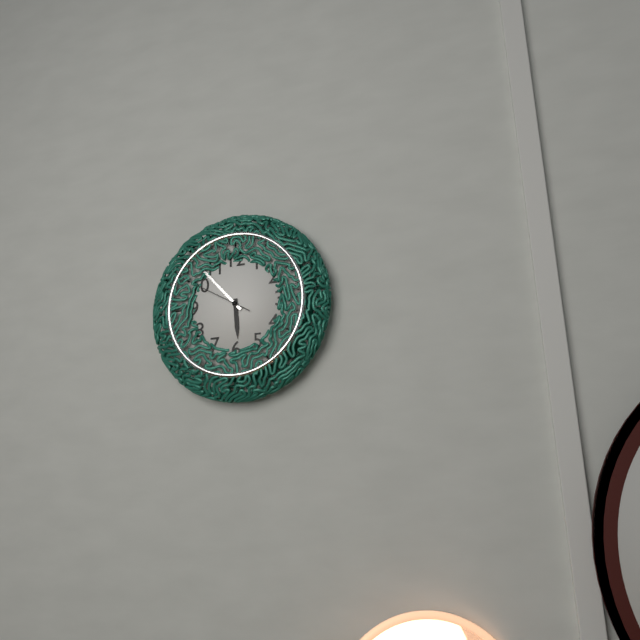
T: 5.53.50
